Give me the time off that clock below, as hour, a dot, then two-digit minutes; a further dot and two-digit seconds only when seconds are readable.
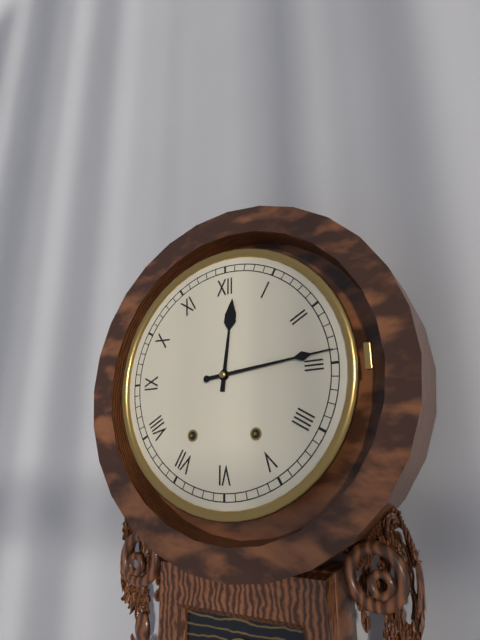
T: 12.14
